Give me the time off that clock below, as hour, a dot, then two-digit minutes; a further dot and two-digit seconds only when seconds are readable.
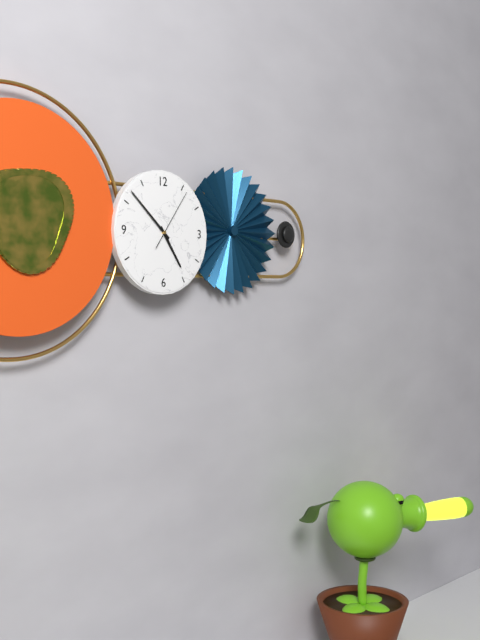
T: 4.52.06
